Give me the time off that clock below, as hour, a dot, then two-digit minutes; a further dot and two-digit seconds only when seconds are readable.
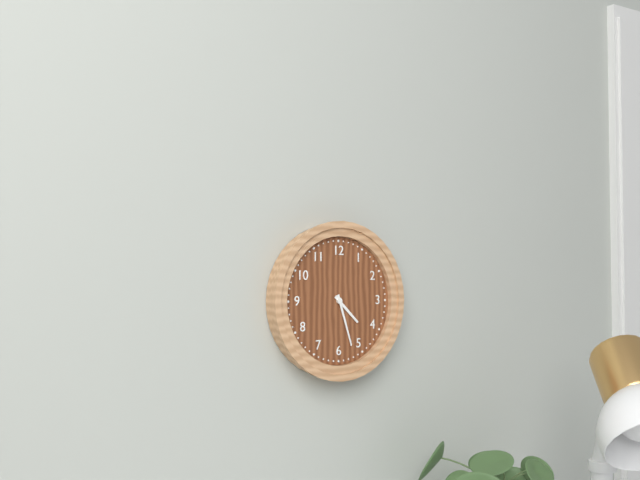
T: 4.27
